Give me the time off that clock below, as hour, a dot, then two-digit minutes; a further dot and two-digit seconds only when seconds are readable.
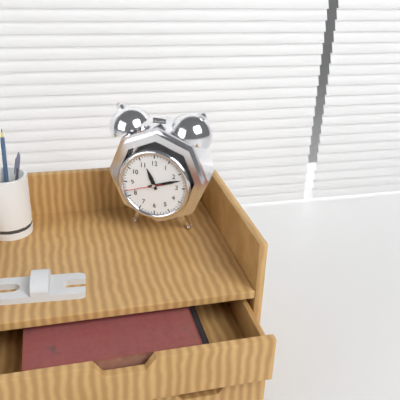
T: 11.12
